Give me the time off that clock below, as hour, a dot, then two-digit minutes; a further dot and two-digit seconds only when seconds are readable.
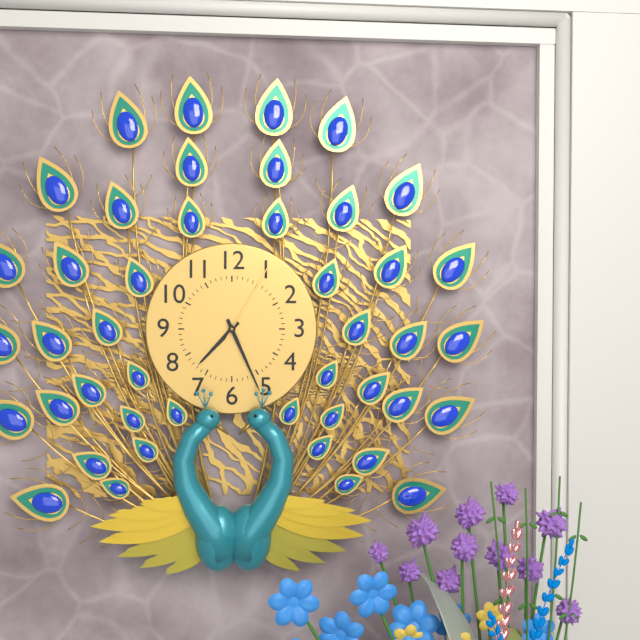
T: 7.26.05
